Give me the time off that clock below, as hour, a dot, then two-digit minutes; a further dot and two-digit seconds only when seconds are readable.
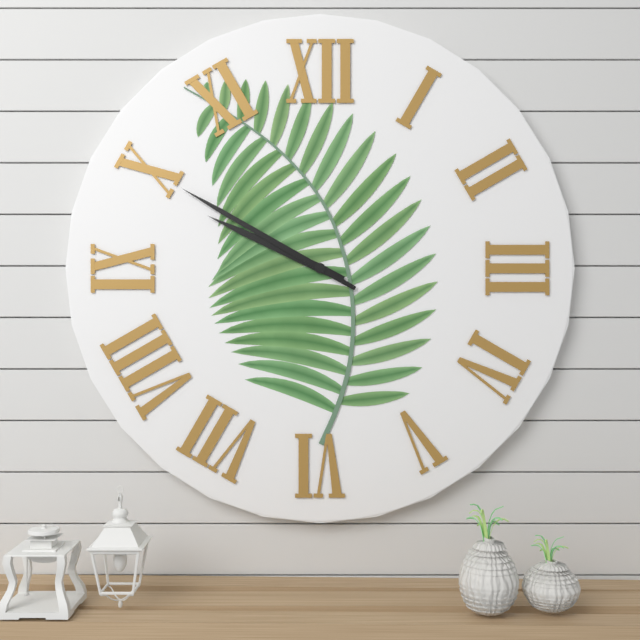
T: 9.50
